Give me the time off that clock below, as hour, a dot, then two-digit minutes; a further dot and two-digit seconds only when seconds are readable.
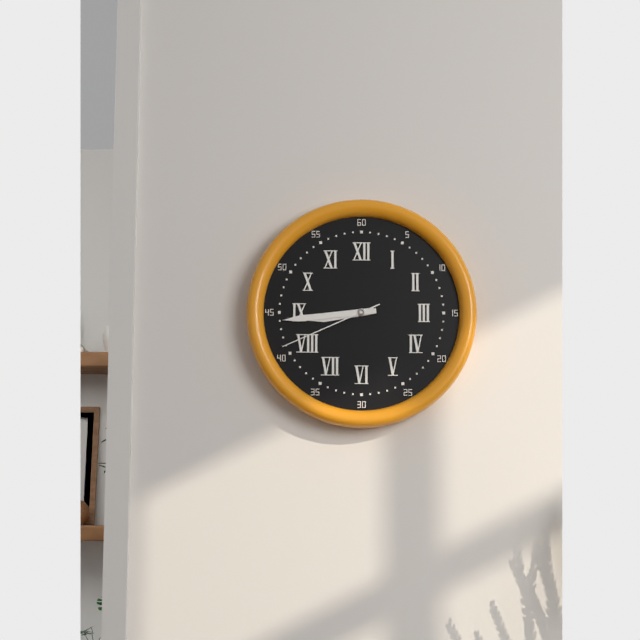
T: 8.44.41
